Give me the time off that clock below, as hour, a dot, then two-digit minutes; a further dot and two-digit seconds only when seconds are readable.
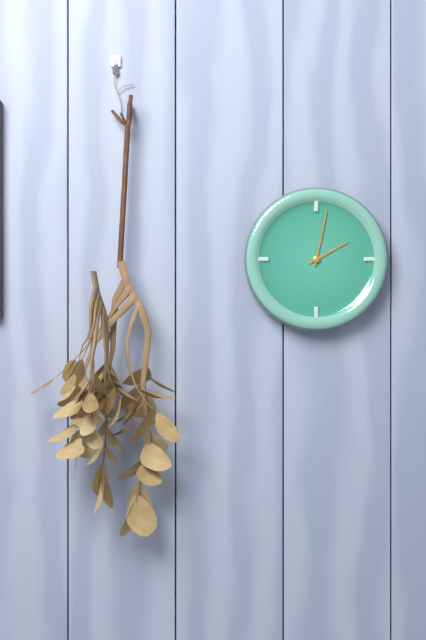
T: 2.02
